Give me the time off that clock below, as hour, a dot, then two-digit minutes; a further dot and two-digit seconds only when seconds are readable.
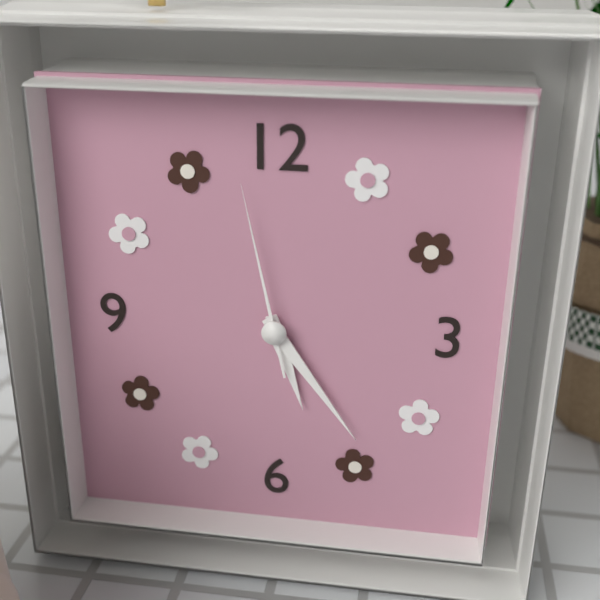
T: 5.24.58
